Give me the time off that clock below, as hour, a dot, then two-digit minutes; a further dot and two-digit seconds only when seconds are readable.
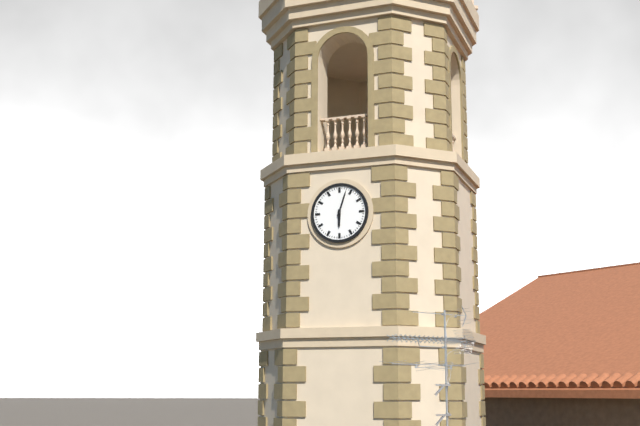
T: 6.03
